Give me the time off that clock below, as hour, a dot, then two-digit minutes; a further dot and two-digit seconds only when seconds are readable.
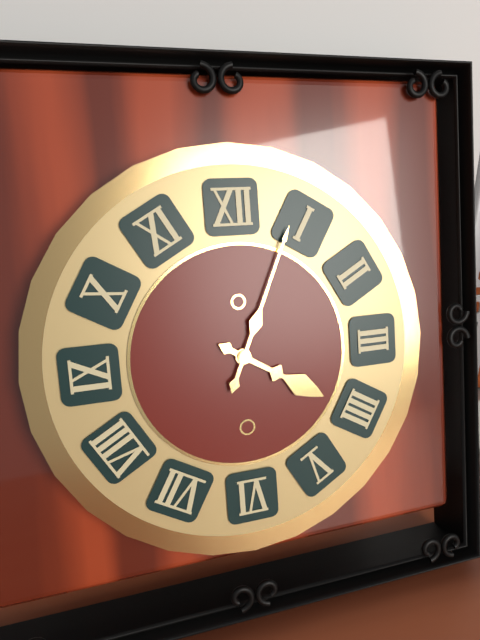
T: 4.04
